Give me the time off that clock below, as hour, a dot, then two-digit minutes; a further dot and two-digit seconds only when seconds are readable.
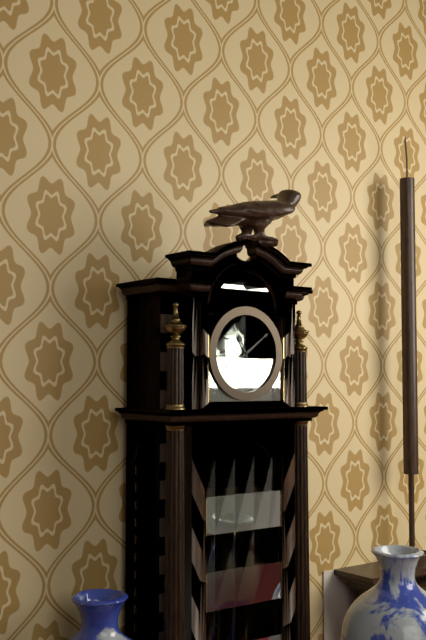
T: 11.09
